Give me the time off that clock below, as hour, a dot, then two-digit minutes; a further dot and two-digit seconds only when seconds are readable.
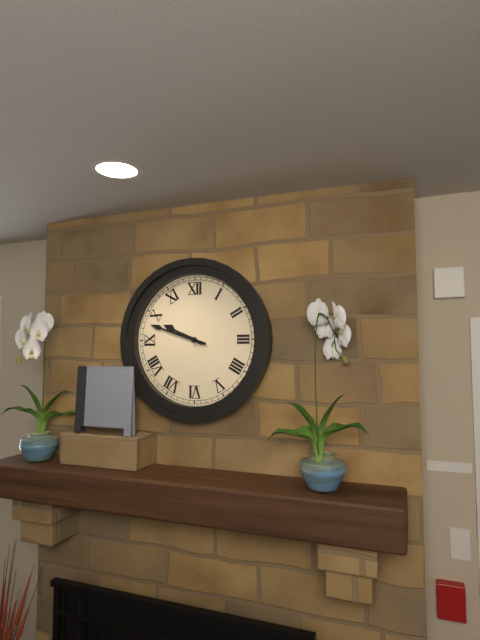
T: 9.48
